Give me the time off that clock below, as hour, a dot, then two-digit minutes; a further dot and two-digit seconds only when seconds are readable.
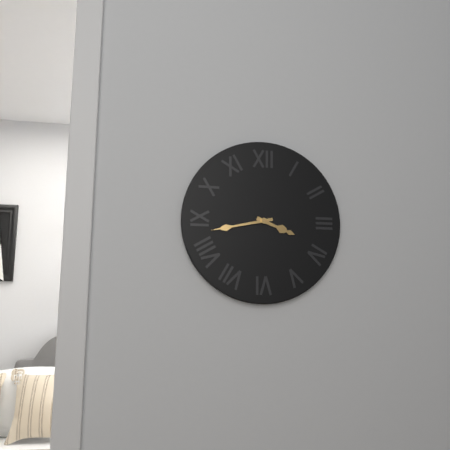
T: 3.43
